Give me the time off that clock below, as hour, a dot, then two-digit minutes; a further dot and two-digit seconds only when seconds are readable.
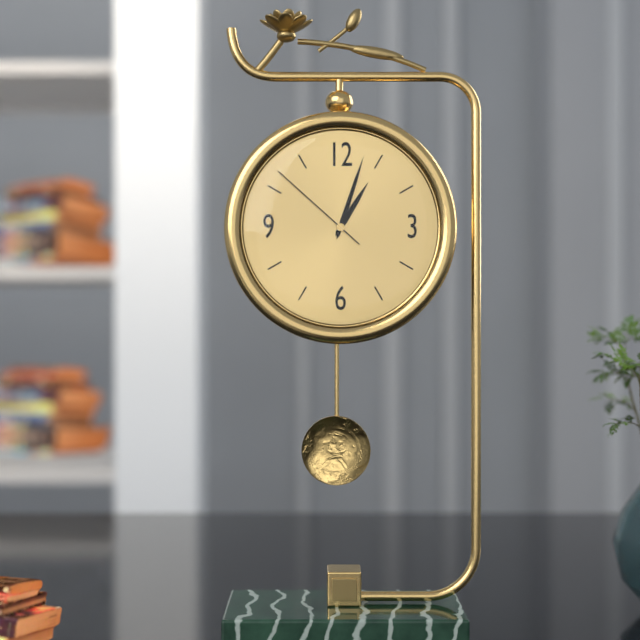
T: 1.03.52
